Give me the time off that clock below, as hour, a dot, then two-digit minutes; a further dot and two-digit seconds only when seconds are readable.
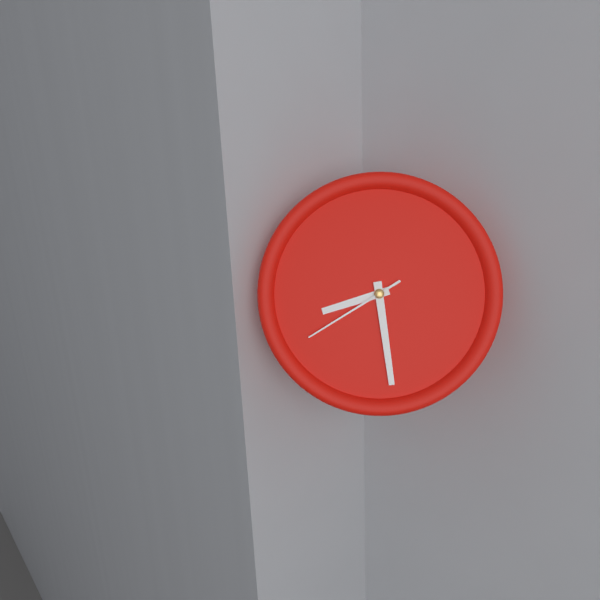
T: 8.29.40
